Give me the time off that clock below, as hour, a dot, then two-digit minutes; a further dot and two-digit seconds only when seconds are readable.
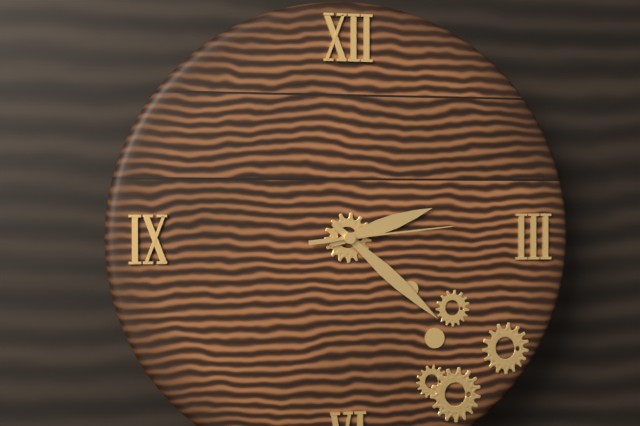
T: 2.22.14
